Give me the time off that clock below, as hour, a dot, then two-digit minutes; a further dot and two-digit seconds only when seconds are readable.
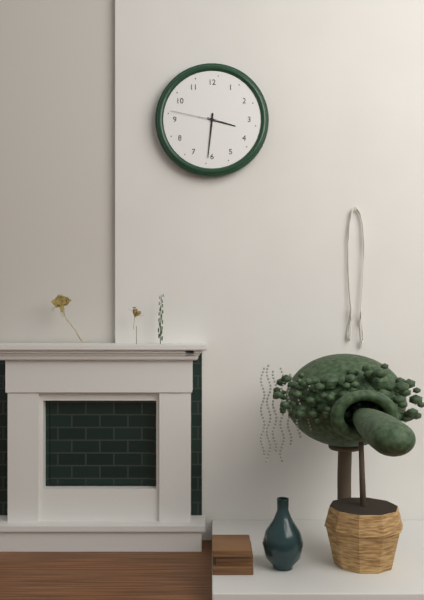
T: 3.31.47
